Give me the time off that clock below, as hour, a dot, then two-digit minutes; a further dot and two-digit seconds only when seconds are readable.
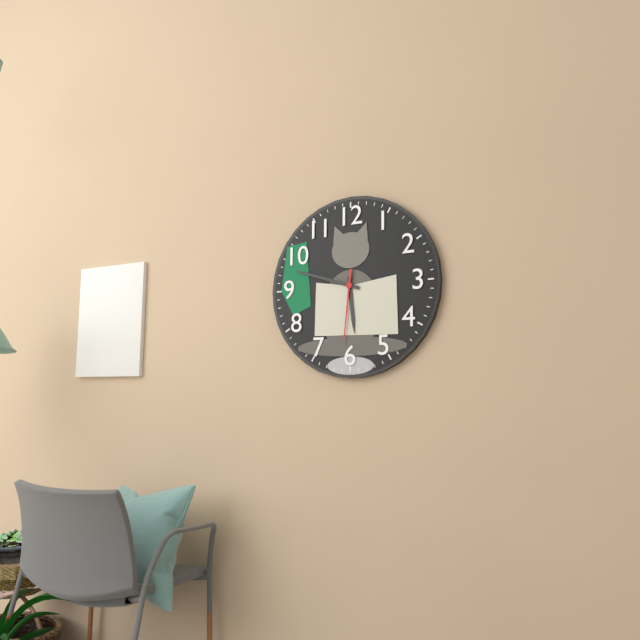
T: 5.48.31
